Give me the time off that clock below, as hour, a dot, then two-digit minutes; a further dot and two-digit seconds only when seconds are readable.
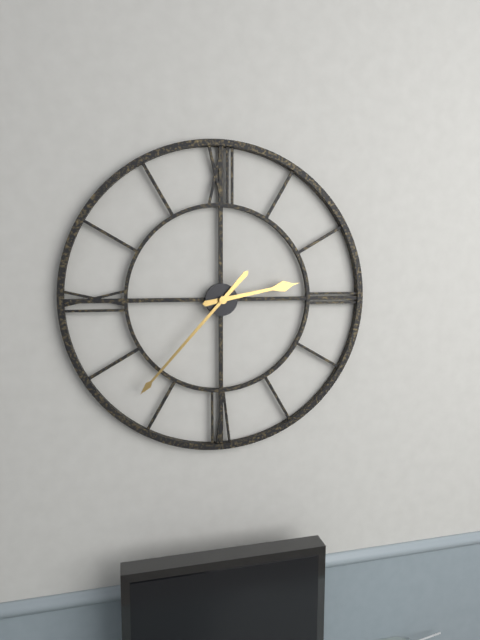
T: 2.37
